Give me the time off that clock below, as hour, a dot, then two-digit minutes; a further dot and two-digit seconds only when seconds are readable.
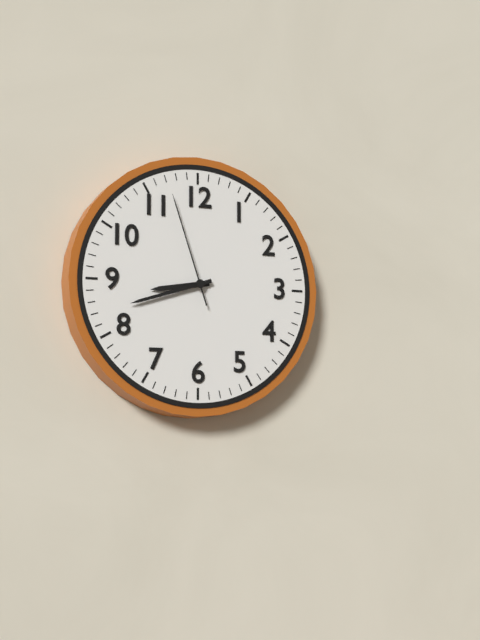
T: 8.42.57
